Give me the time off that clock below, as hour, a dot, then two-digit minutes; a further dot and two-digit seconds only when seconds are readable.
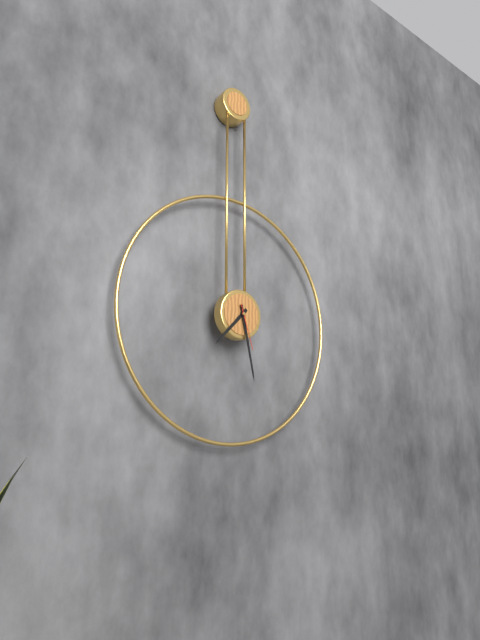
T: 7.28
